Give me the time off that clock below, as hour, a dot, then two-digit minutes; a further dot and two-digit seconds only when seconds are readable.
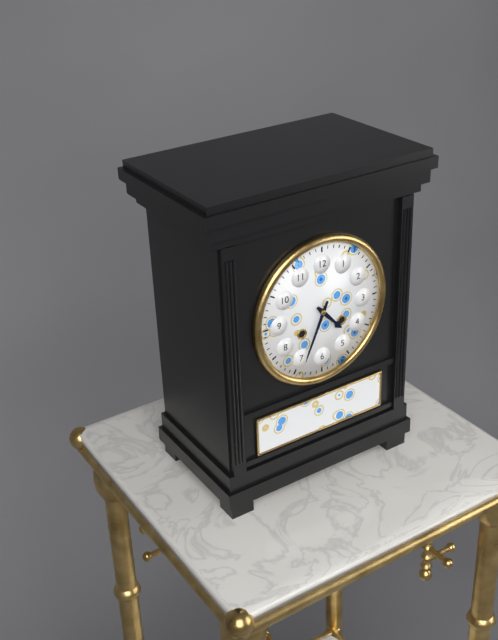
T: 4.34
